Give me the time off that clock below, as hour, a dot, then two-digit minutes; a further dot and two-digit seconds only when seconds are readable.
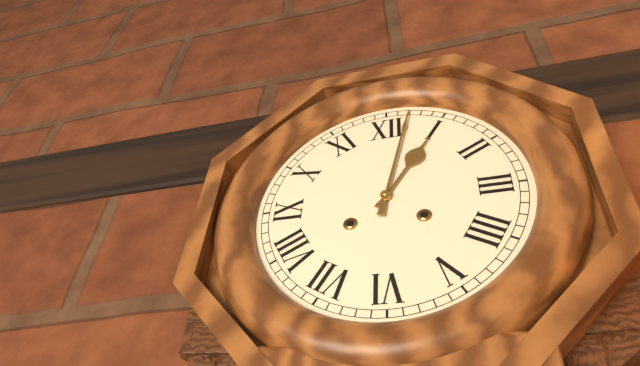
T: 1.02
